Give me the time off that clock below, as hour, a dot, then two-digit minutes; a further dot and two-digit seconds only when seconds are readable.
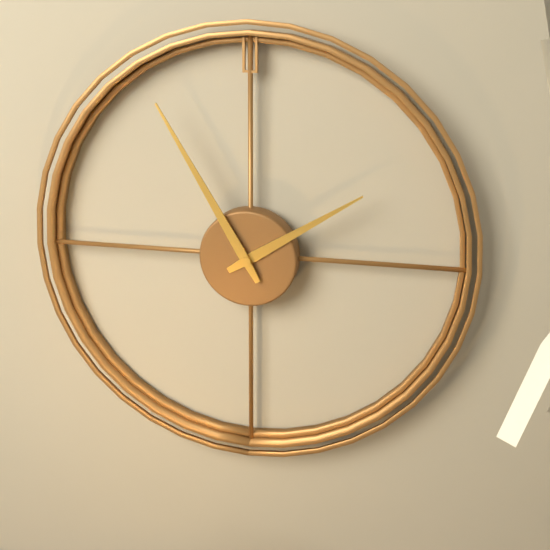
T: 1.55
